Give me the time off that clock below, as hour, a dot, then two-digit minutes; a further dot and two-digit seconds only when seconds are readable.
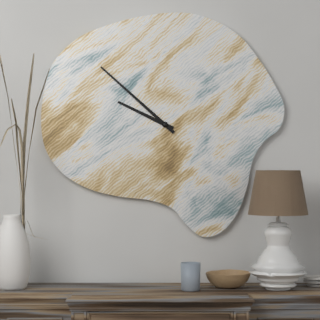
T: 9.52
